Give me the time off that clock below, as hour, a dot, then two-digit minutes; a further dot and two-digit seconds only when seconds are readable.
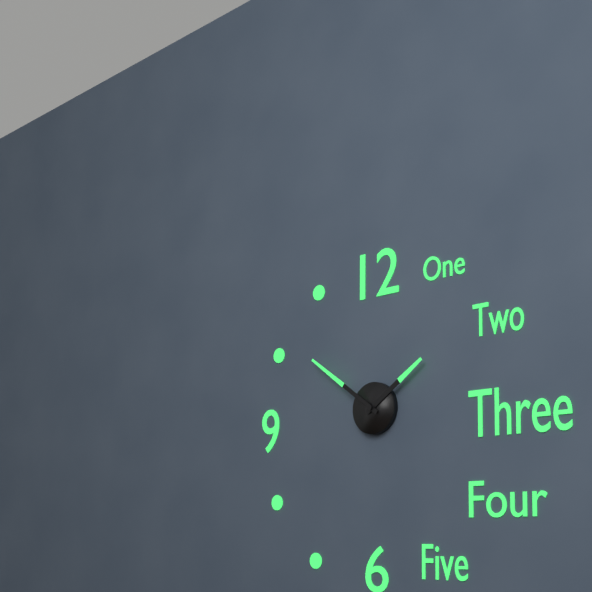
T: 1.51
